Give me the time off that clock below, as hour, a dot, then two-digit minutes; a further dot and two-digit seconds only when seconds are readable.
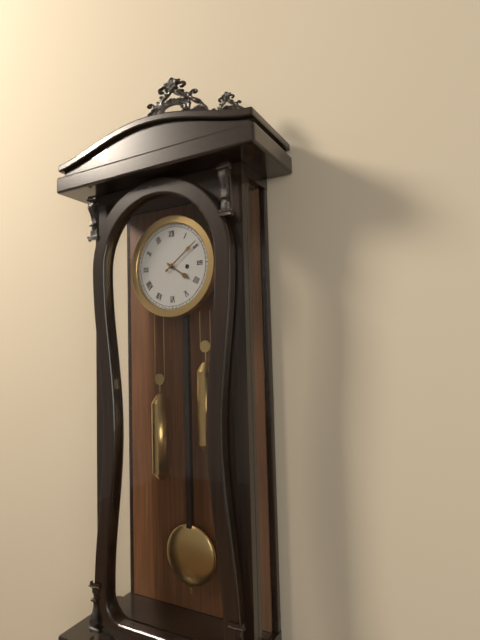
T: 4.09
